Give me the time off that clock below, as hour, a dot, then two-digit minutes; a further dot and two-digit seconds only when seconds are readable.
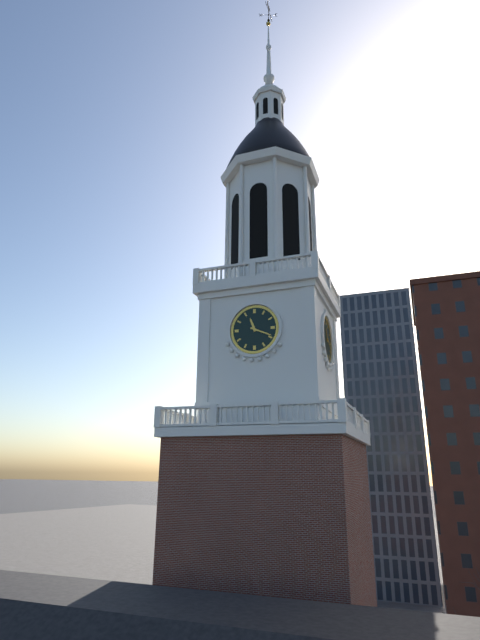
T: 11.19
